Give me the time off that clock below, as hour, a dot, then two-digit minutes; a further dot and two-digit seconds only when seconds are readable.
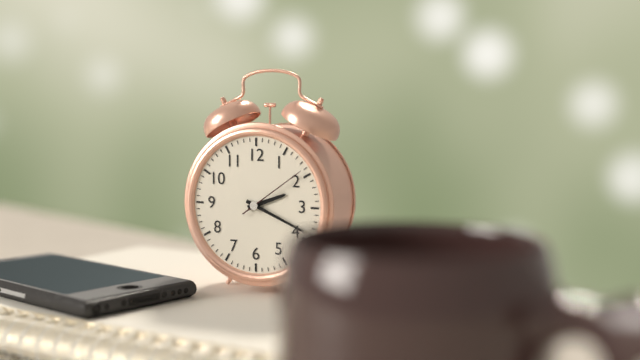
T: 2.19.09
